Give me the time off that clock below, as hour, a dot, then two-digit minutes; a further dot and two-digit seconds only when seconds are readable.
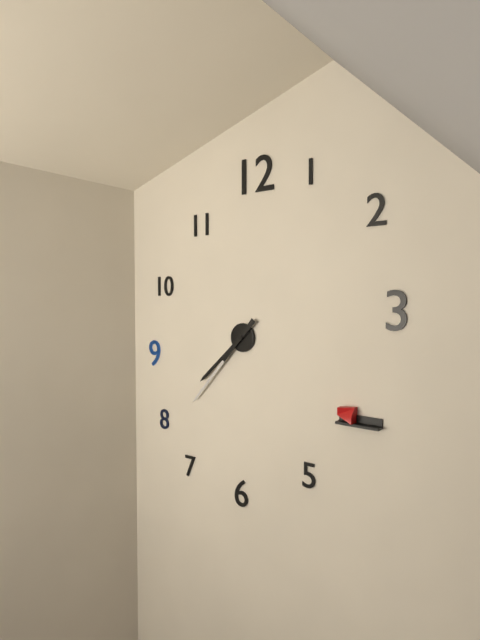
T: 7.37
